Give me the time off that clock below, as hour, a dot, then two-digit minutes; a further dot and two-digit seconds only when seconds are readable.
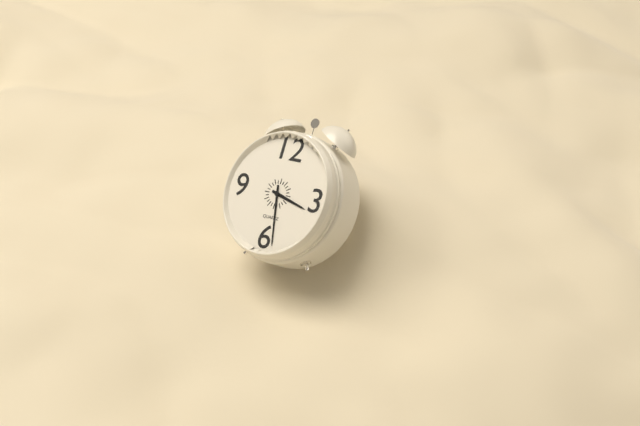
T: 3.28
